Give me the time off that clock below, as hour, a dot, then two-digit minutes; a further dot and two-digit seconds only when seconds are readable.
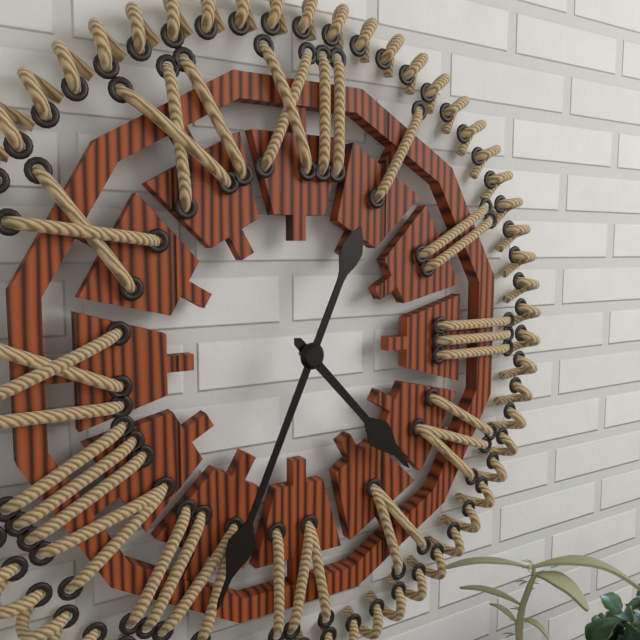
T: 4.34
